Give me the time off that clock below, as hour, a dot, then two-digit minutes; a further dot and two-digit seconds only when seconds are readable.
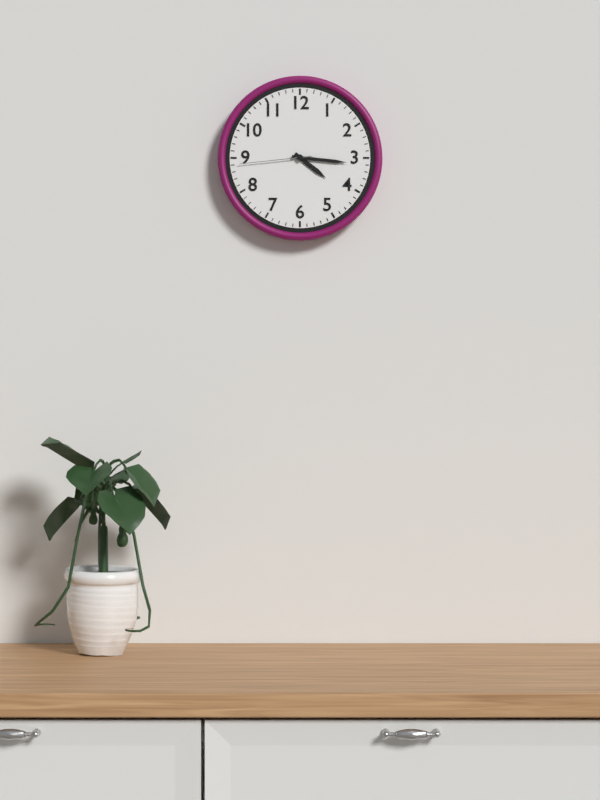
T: 4.16.44
